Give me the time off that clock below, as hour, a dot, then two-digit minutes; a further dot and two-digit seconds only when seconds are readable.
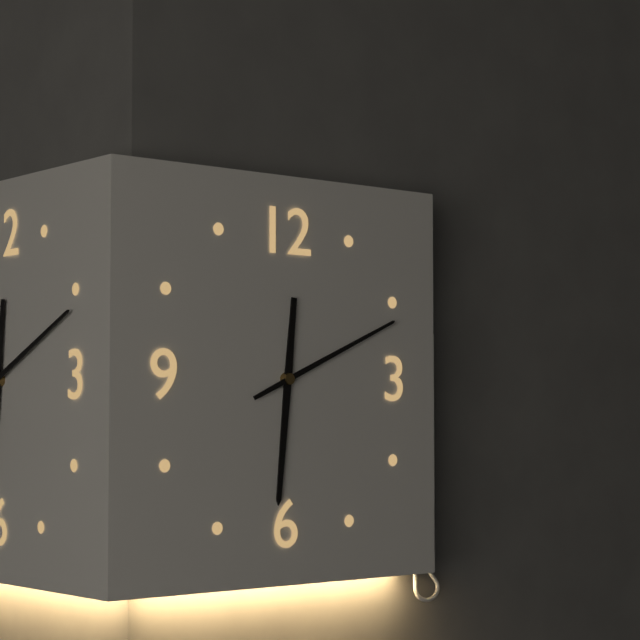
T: 6.11
